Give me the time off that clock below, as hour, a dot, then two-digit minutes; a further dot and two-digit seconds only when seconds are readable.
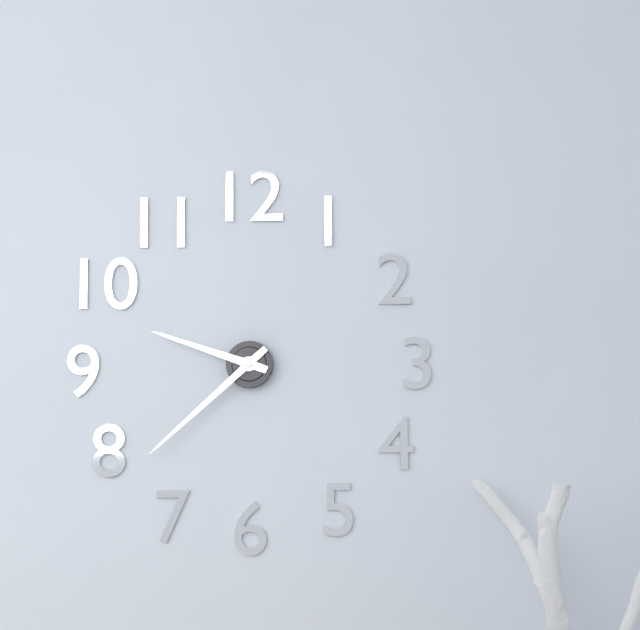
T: 9.38
